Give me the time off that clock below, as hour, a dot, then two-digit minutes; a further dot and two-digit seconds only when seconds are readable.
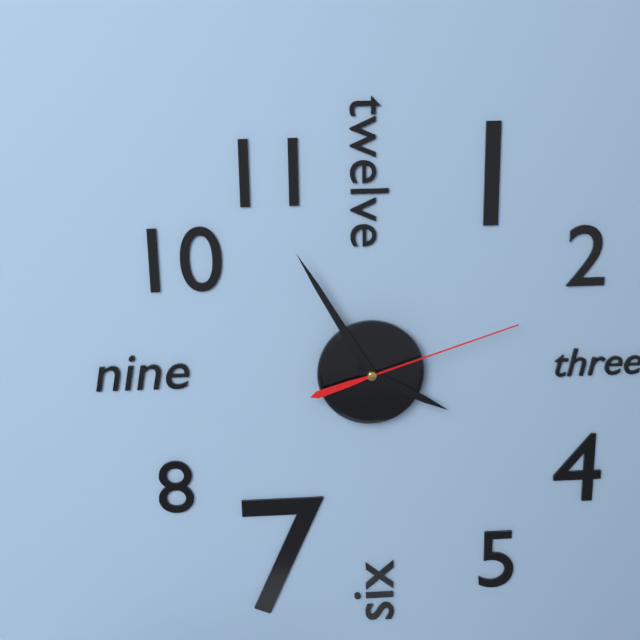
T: 3.55.12
